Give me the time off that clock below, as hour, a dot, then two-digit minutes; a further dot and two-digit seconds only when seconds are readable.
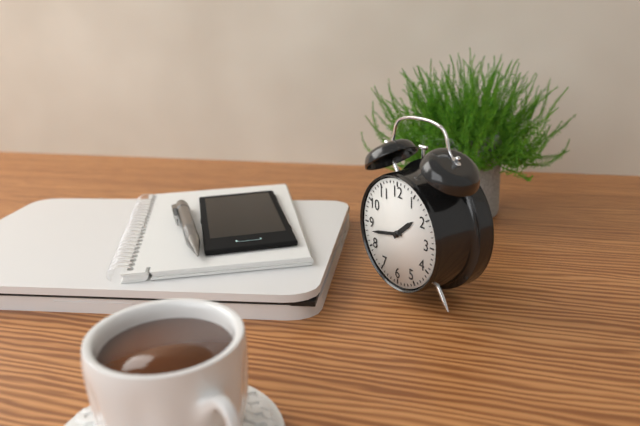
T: 1.43
